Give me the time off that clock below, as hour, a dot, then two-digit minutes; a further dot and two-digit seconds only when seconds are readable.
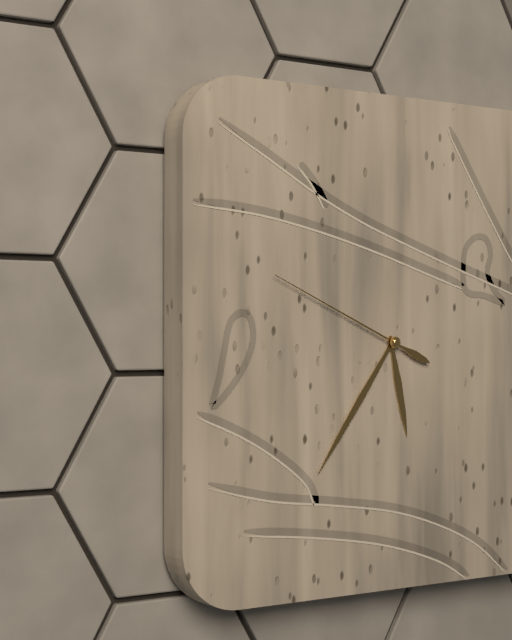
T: 5.36.49
